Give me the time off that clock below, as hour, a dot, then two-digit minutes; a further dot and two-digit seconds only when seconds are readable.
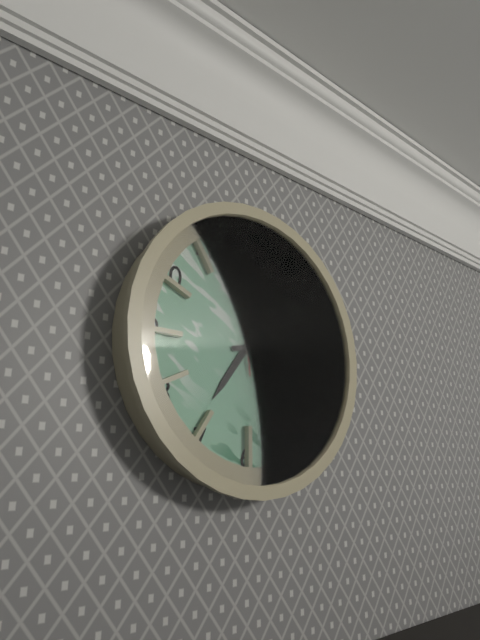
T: 7.13.59
